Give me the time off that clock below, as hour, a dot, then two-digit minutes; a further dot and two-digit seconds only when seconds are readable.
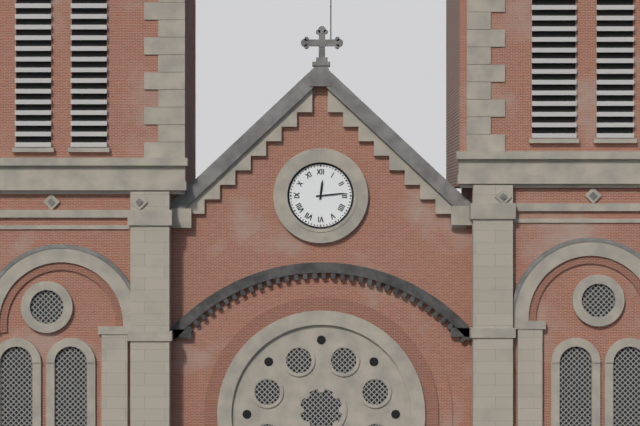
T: 12.14
